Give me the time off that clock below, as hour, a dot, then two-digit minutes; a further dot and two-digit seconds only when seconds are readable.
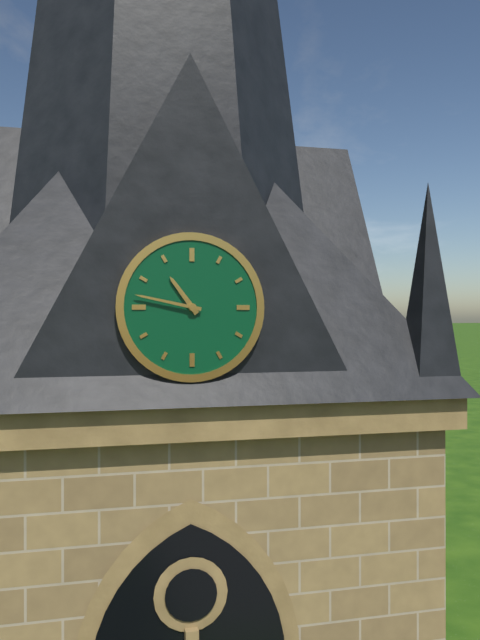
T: 10.47
